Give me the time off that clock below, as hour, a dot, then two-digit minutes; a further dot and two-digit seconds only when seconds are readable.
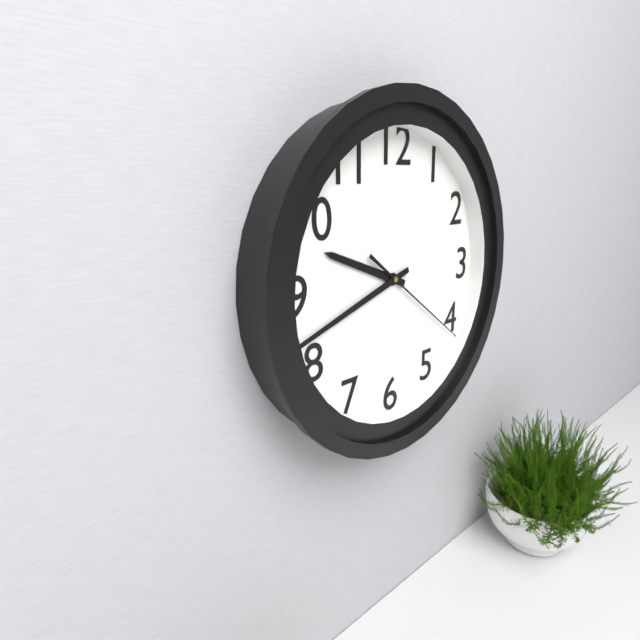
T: 9.42.21
